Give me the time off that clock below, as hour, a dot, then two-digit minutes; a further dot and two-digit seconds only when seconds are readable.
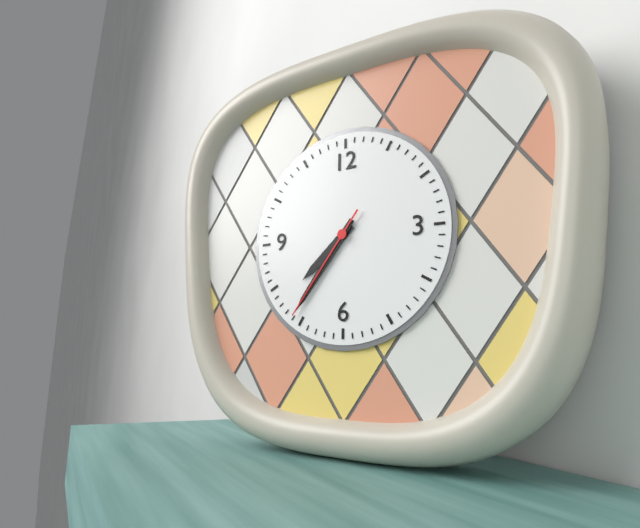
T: 7.36.36
